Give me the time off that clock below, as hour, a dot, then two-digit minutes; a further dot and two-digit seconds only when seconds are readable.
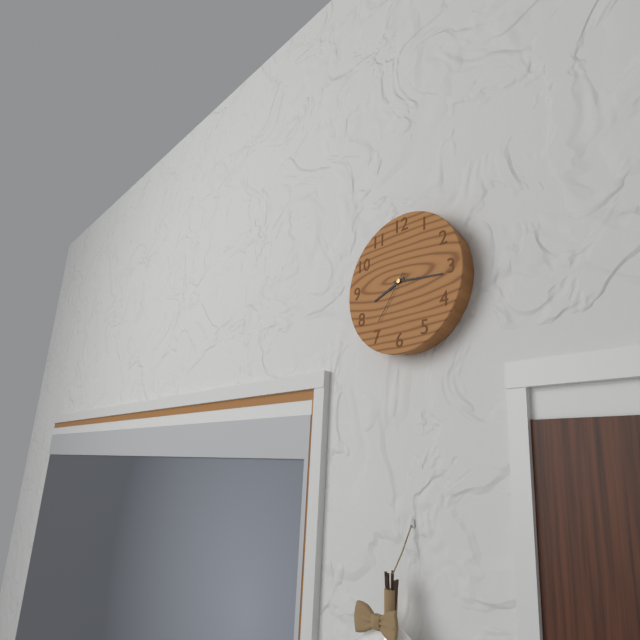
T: 8.16.36
